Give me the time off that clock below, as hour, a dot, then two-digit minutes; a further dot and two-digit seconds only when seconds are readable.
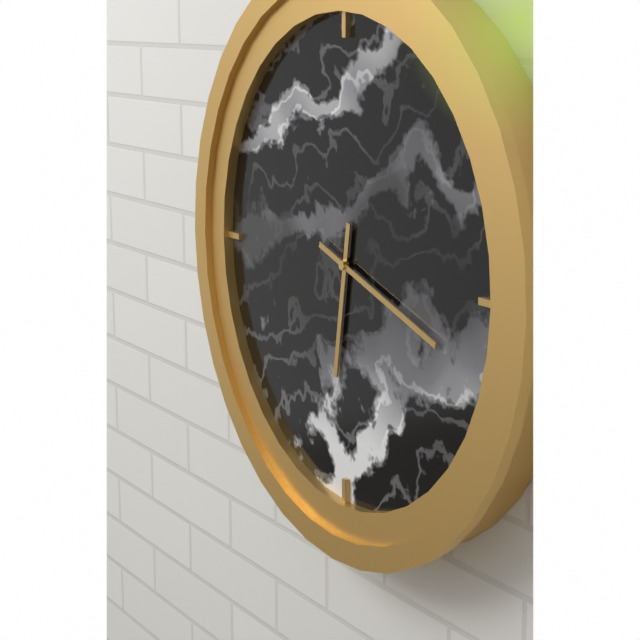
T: 6.18
